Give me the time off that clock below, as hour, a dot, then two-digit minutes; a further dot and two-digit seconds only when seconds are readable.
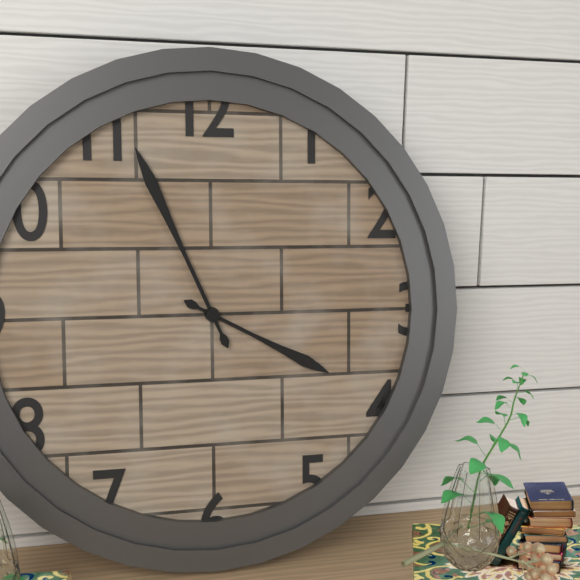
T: 3.56
